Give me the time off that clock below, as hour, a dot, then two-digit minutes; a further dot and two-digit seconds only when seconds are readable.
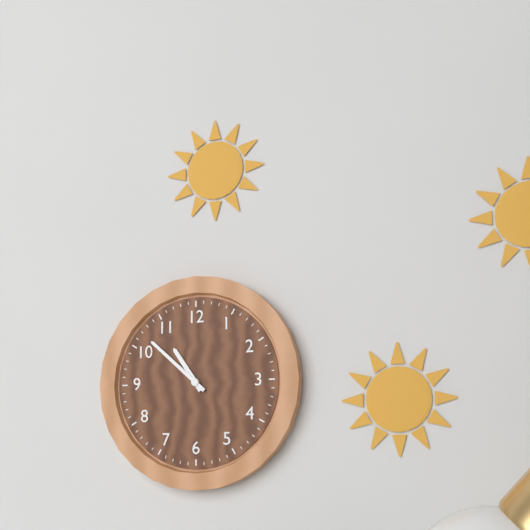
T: 10.52
